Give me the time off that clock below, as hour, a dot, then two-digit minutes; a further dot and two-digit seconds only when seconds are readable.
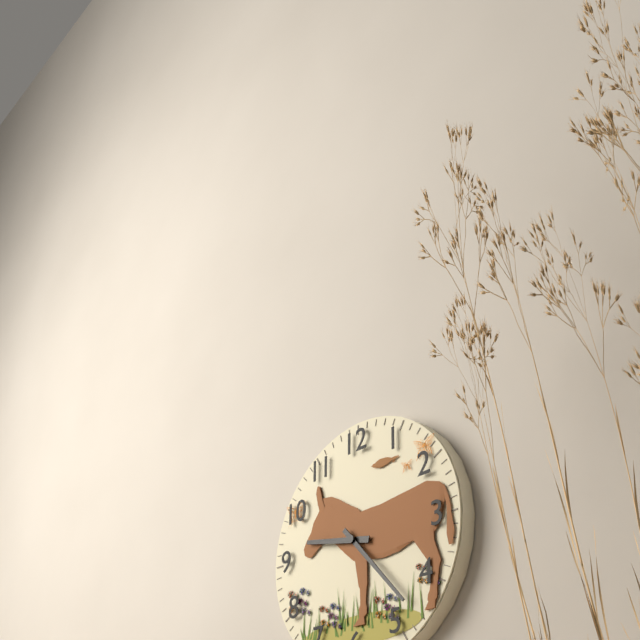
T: 9.23
